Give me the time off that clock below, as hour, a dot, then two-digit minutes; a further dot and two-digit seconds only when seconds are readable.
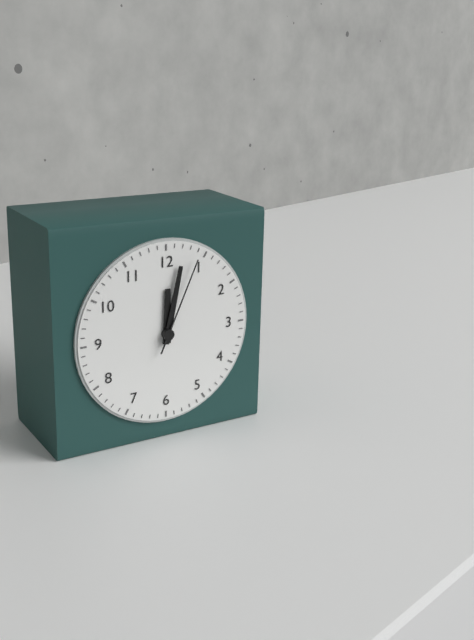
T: 12.02.04
